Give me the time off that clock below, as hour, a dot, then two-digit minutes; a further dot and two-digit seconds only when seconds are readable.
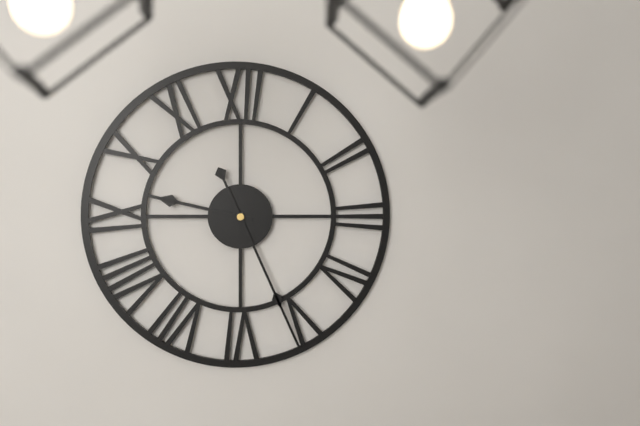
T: 9.26
